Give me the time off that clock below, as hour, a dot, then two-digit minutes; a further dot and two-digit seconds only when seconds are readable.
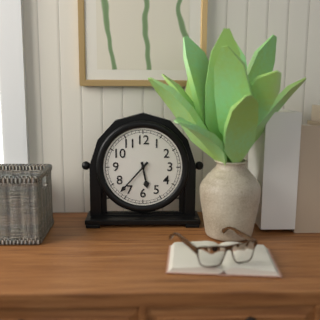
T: 5.37
